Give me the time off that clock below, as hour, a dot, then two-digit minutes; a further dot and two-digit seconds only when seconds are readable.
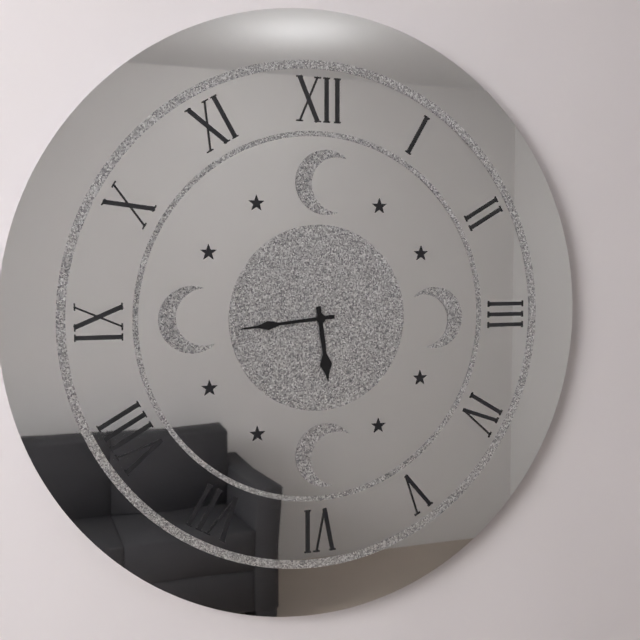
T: 5.44
